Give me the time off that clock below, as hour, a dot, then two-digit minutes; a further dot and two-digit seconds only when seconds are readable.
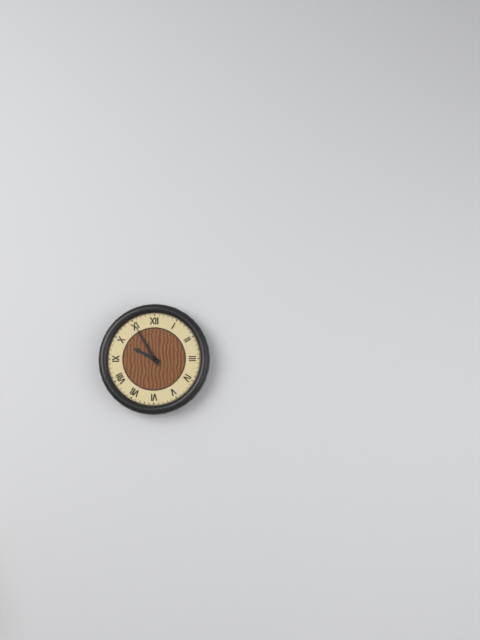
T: 9.55
